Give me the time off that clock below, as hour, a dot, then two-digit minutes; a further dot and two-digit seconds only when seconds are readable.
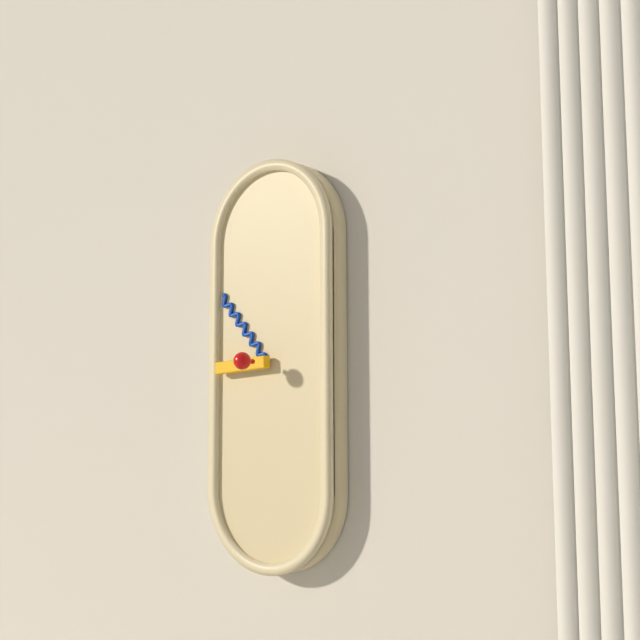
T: 8.53
